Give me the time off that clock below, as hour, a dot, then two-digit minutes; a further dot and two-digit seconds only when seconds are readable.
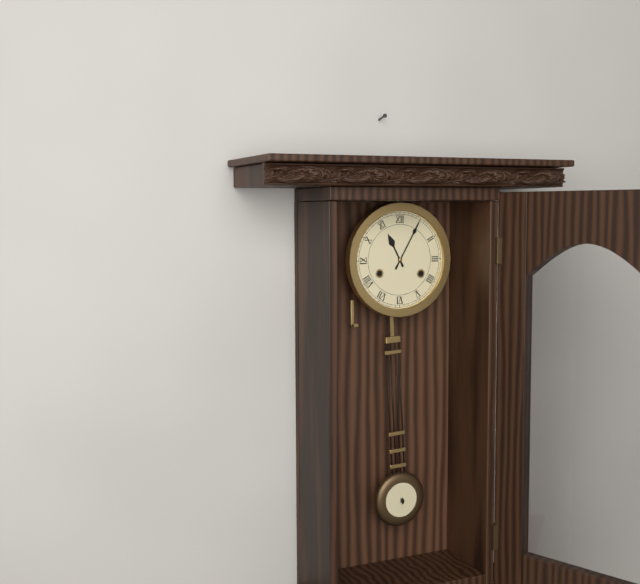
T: 11.05
